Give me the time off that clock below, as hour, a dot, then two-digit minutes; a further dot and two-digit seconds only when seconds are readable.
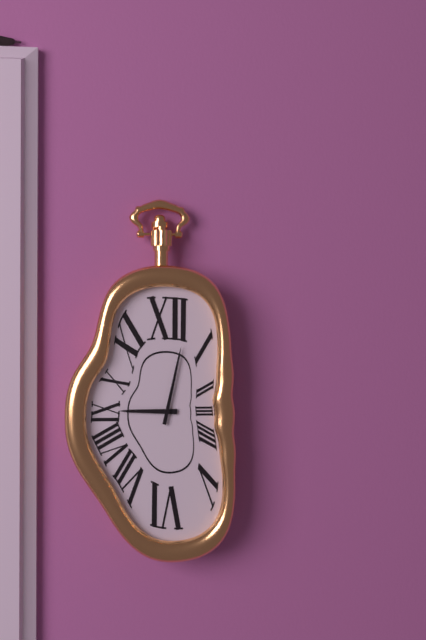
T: 9.02
